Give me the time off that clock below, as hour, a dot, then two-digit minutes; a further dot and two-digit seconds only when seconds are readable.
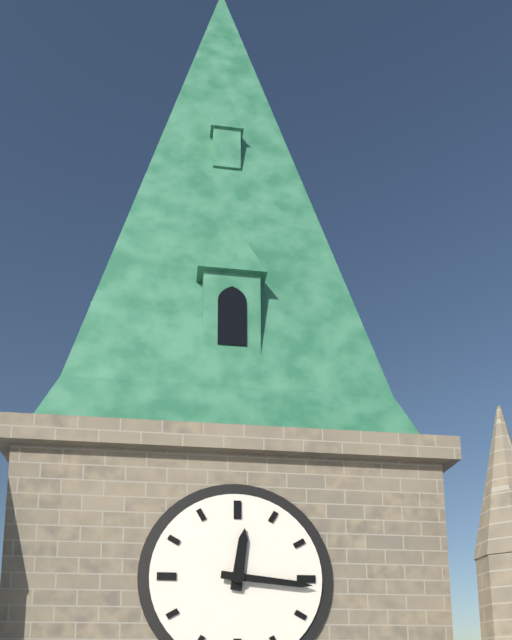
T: 12.16
